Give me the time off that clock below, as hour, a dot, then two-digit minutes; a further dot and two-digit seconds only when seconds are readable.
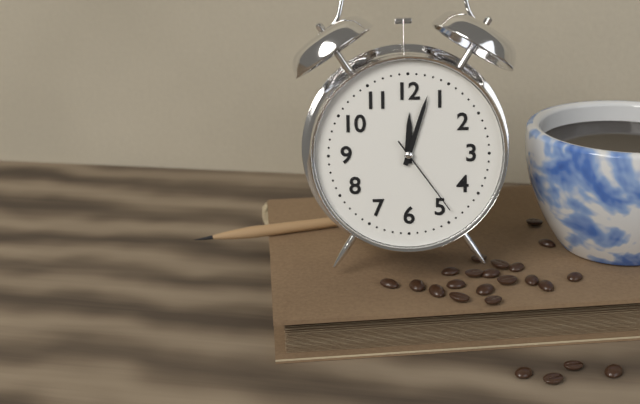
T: 12.03.24
